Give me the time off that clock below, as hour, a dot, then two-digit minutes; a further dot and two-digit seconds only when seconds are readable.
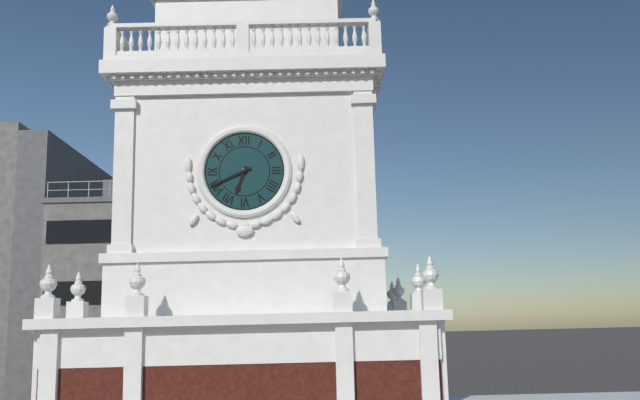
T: 6.41
